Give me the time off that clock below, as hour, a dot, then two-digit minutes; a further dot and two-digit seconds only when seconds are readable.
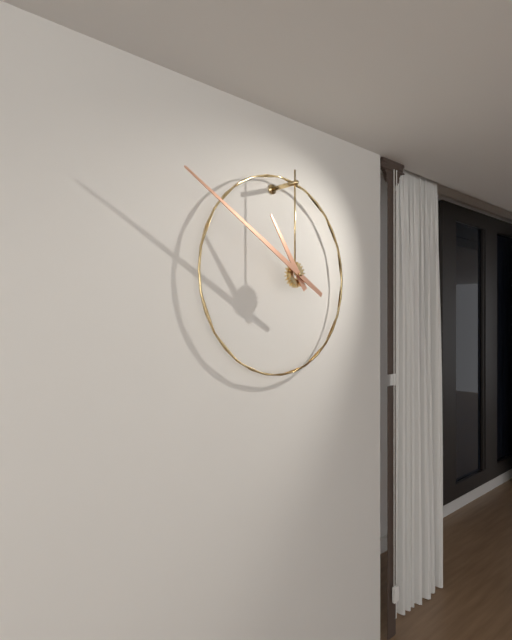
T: 10.50
